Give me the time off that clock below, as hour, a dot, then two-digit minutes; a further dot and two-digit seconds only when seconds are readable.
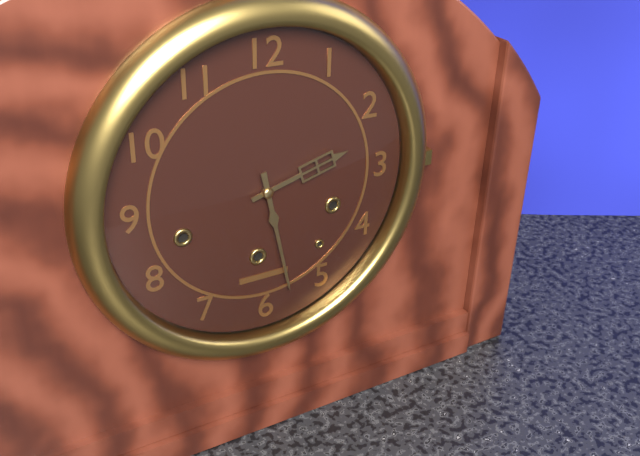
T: 2.28
